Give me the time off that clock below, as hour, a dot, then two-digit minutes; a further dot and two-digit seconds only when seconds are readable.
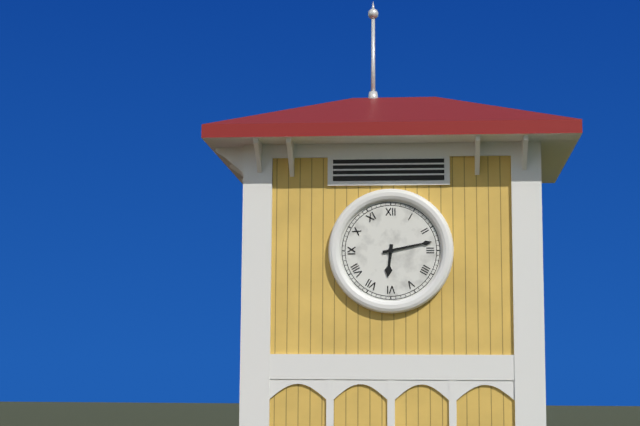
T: 6.13
